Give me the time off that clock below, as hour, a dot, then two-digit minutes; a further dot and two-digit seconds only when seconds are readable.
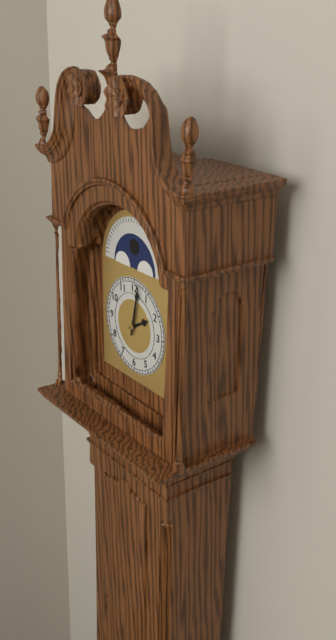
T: 2.02
